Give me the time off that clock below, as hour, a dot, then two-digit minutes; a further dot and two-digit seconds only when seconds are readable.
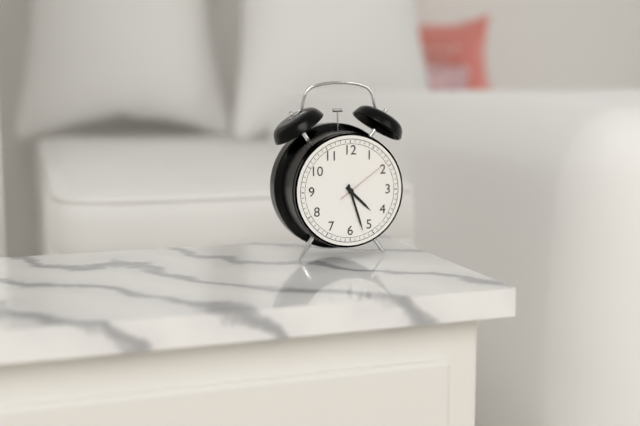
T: 4.27.09
